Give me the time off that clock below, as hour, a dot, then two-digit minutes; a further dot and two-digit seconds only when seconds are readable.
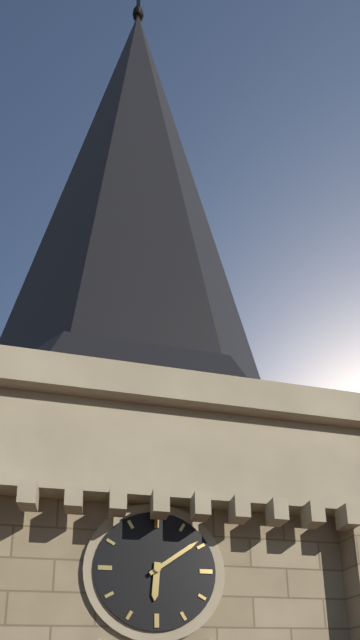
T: 6.09
